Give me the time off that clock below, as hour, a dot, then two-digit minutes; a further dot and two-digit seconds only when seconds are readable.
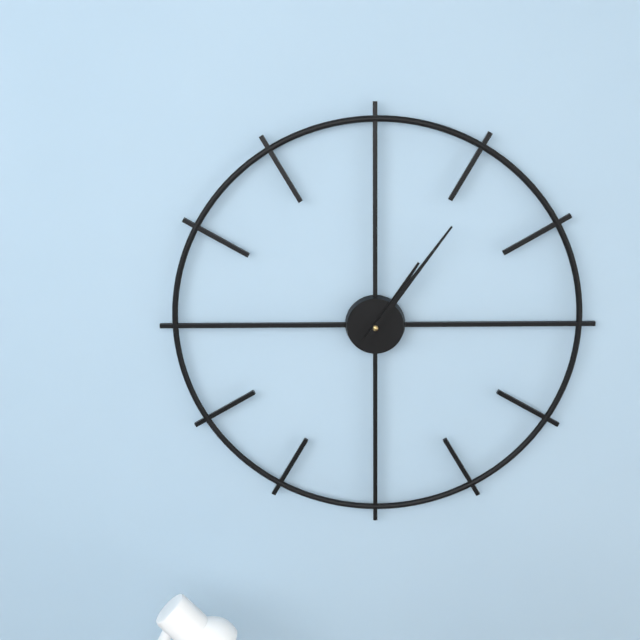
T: 1.06
